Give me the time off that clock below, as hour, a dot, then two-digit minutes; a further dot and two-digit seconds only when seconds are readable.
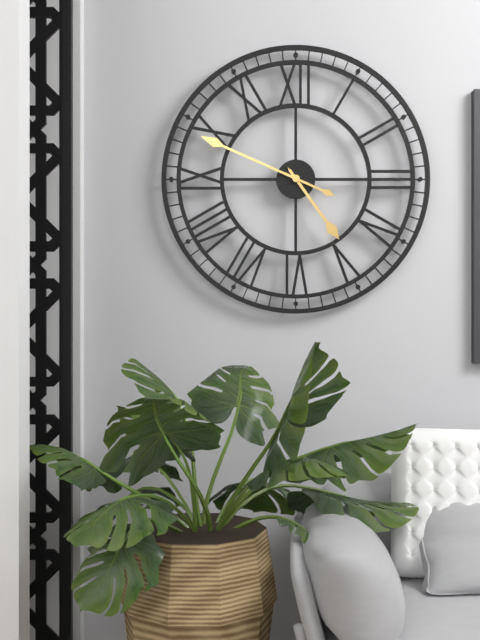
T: 4.49
